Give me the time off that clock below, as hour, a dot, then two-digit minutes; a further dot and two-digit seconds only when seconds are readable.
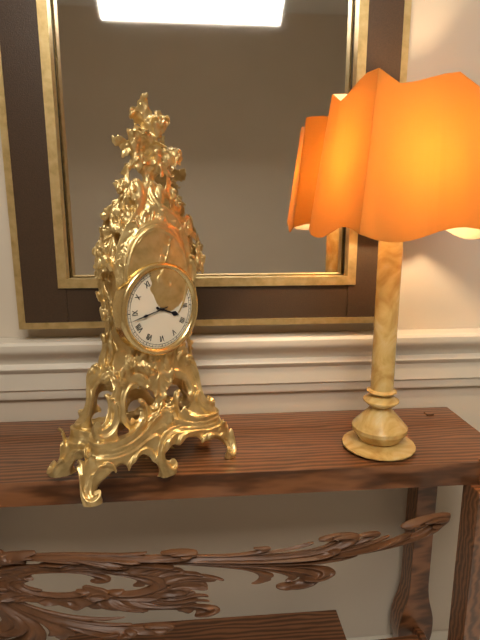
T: 3.43
